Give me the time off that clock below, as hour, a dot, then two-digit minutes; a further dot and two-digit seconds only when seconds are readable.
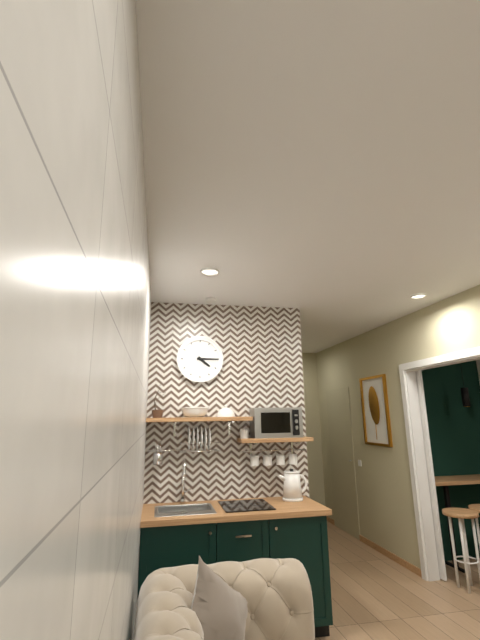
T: 4.15
